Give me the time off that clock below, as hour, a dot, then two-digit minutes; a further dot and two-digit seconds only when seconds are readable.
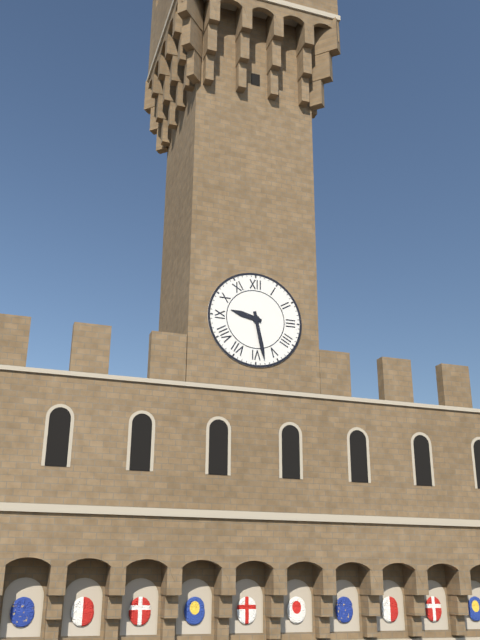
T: 9.28
